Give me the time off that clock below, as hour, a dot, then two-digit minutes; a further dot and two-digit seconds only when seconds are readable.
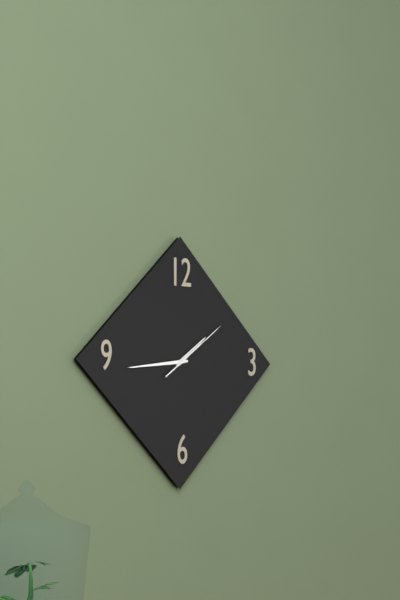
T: 1.44.09
